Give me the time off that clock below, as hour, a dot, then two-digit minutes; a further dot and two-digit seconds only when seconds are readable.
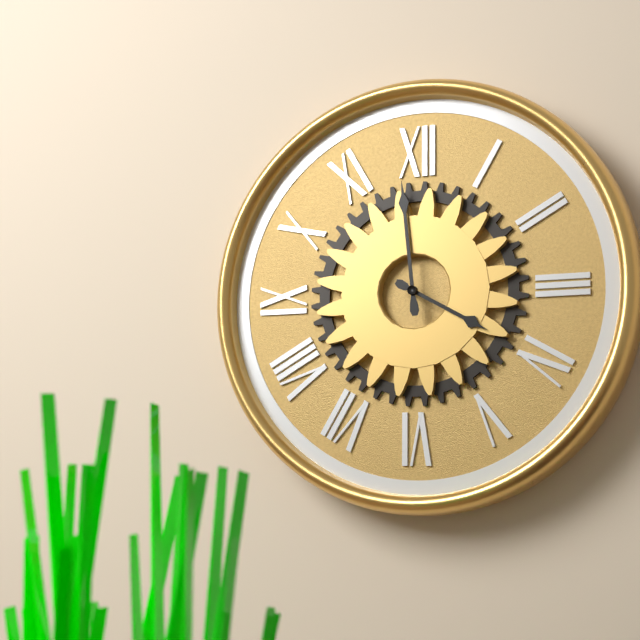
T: 3.59
